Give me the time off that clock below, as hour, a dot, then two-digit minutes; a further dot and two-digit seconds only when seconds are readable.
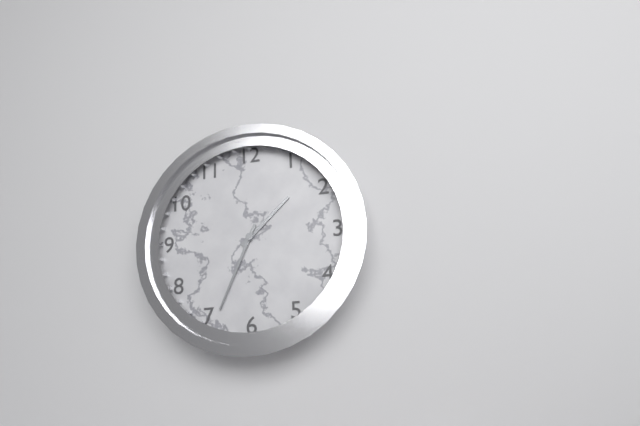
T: 1.34
